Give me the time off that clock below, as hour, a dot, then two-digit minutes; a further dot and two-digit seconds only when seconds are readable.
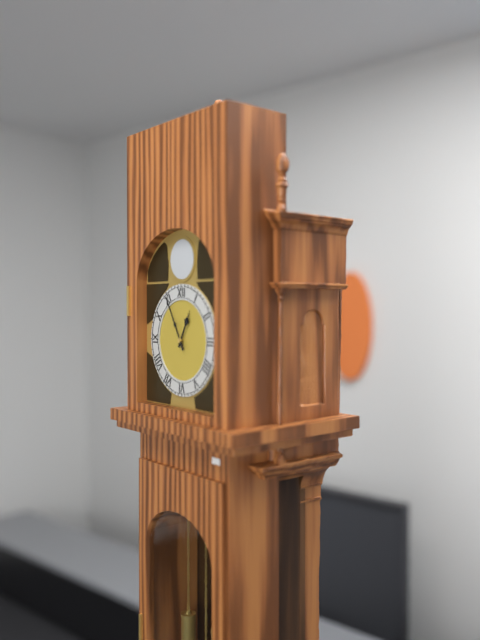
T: 12.55
